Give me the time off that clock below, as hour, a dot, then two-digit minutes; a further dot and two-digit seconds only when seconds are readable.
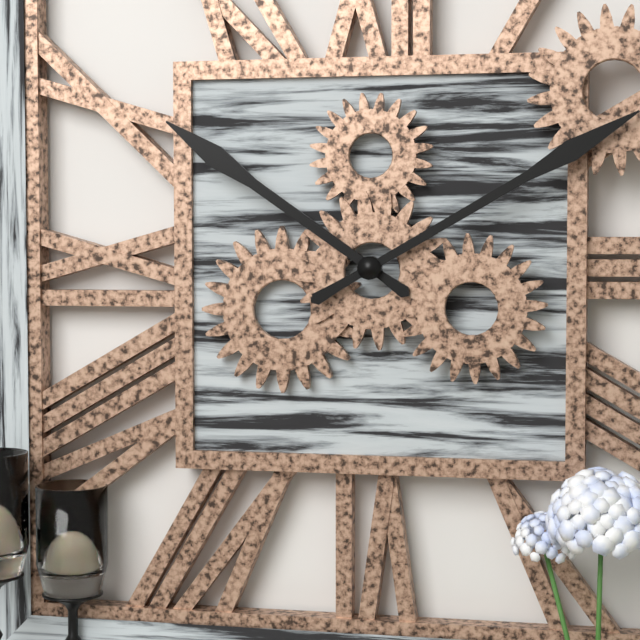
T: 10.10
